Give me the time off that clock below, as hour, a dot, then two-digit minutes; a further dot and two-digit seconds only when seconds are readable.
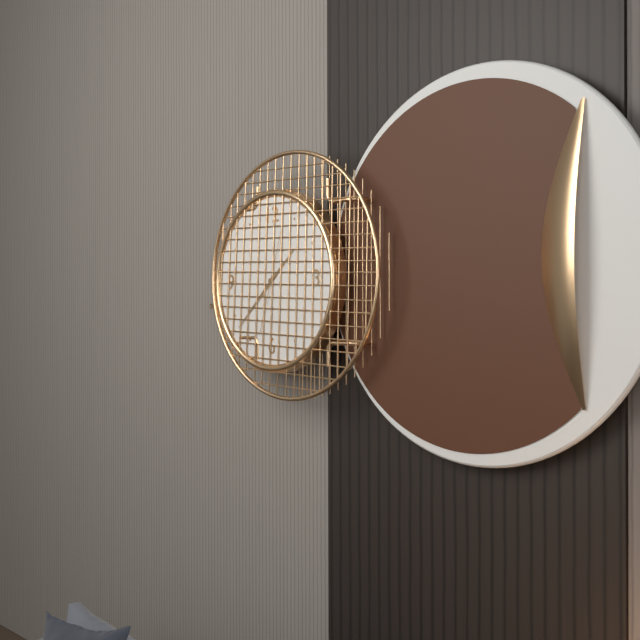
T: 1.38.33
